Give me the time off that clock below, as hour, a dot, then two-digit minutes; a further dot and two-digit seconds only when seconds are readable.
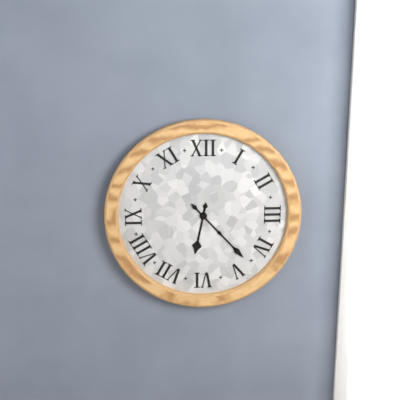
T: 6.23
